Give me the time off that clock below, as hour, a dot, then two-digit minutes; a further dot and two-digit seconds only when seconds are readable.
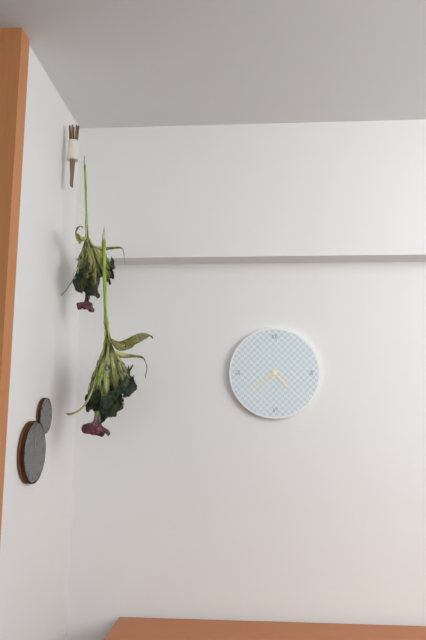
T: 4.39
